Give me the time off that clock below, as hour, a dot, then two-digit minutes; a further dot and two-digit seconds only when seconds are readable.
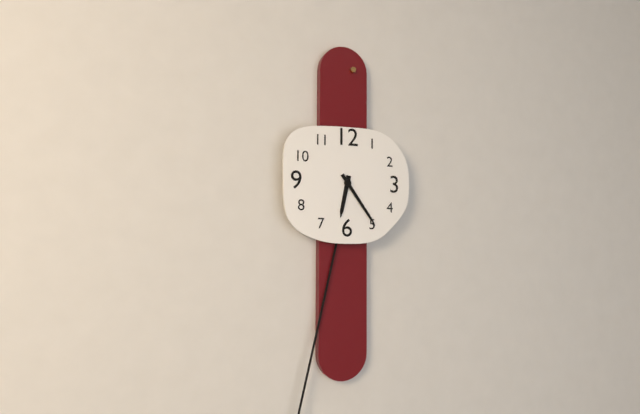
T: 6.24
